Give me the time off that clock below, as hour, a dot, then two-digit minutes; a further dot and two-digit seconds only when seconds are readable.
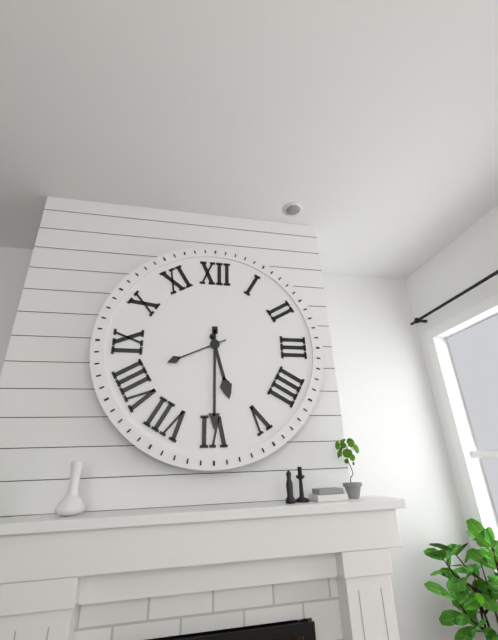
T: 5.30.41
